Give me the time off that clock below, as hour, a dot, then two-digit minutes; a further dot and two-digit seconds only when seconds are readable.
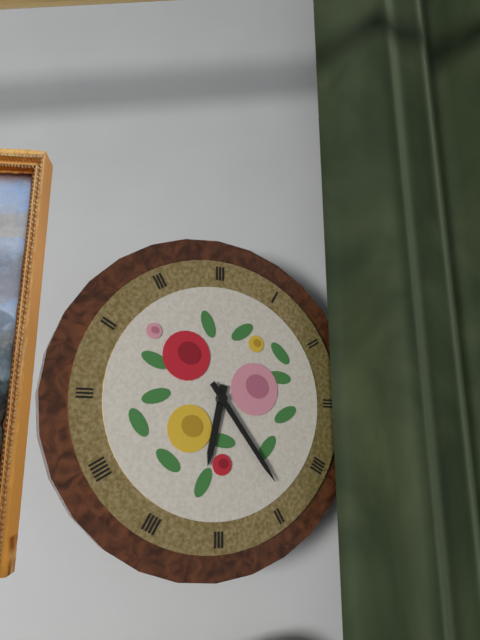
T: 6.24
